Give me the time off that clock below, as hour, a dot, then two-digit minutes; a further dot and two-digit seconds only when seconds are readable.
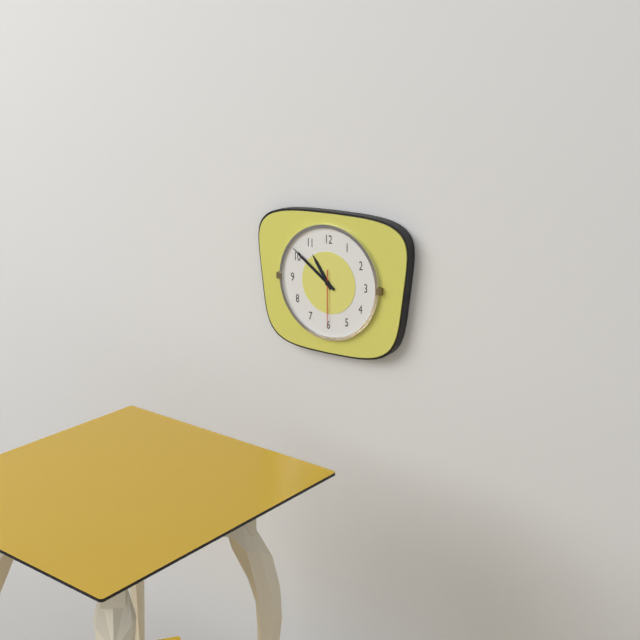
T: 10.51.30
